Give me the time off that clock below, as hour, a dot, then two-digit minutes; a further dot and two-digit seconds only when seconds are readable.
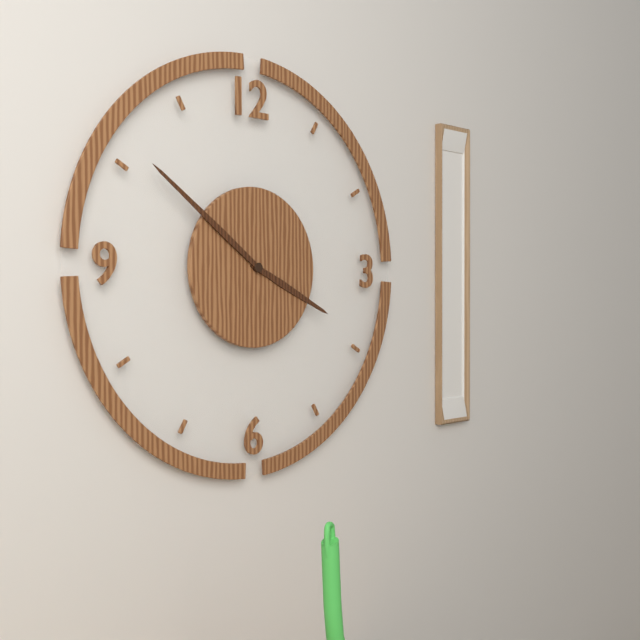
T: 3.51
